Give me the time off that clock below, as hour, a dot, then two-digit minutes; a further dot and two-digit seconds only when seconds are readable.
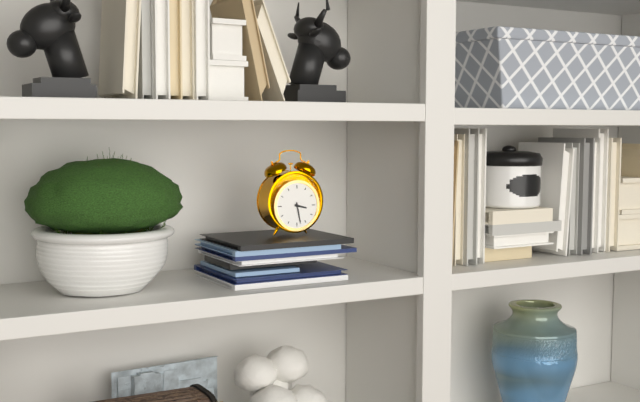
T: 3.28
